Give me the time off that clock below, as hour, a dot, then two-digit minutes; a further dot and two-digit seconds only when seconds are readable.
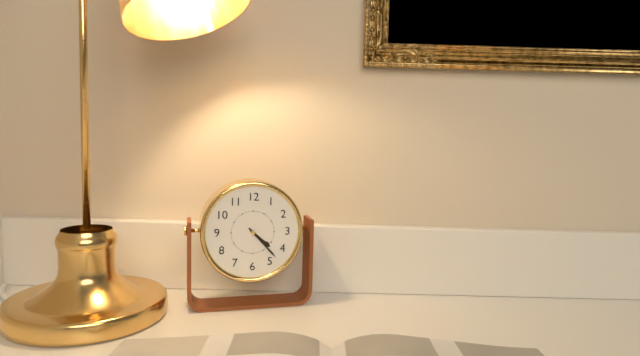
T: 4.23
